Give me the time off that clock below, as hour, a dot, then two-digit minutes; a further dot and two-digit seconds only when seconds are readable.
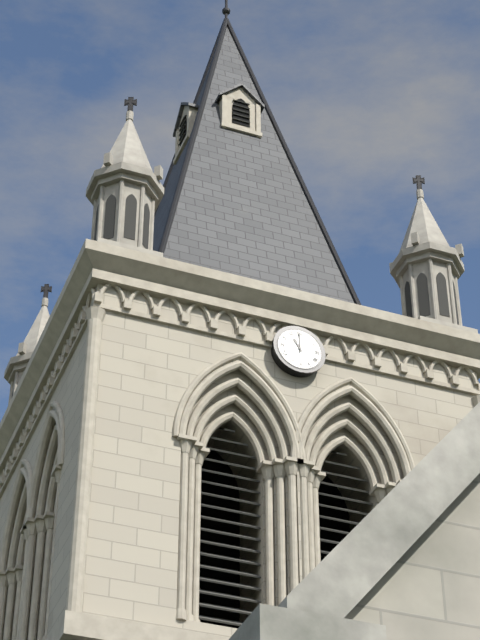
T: 11.00
